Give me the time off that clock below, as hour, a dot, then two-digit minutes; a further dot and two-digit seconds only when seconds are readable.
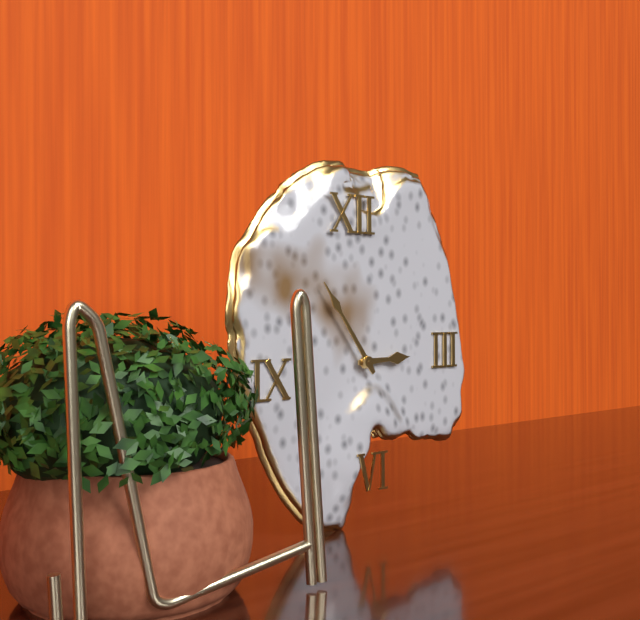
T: 2.54
